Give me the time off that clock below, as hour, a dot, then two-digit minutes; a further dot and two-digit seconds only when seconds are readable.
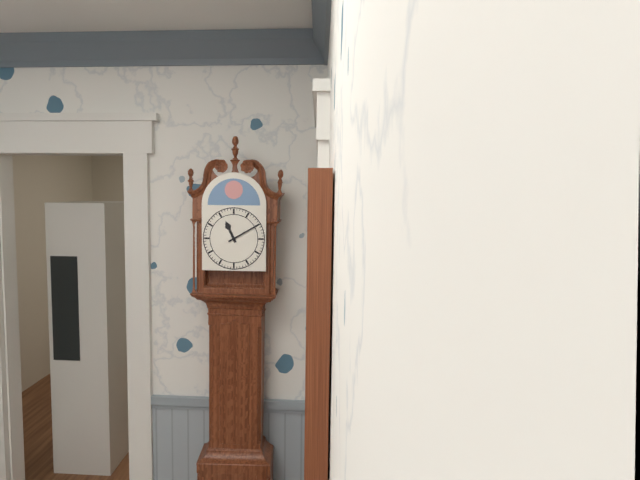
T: 11.10
